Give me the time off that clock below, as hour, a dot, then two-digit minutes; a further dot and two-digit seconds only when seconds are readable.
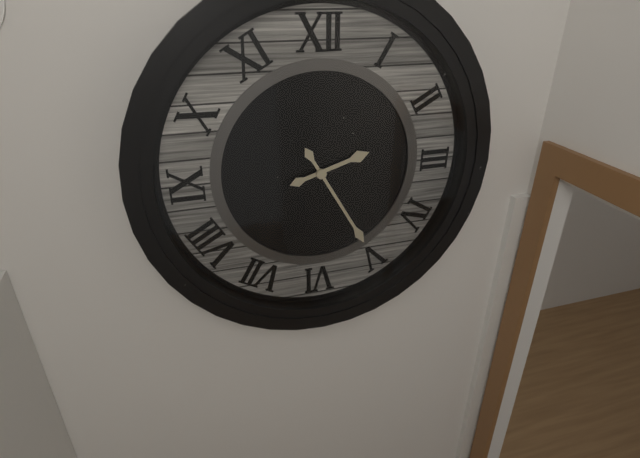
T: 2.25
